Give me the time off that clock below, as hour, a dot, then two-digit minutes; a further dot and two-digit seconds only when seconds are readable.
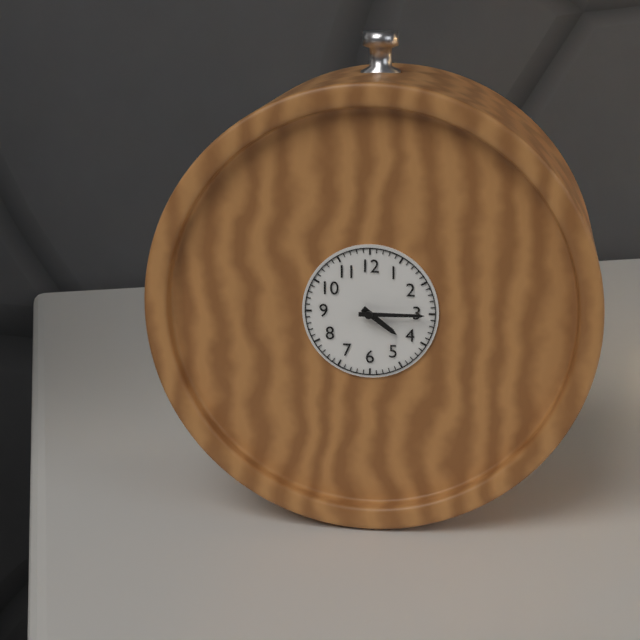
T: 4.15
